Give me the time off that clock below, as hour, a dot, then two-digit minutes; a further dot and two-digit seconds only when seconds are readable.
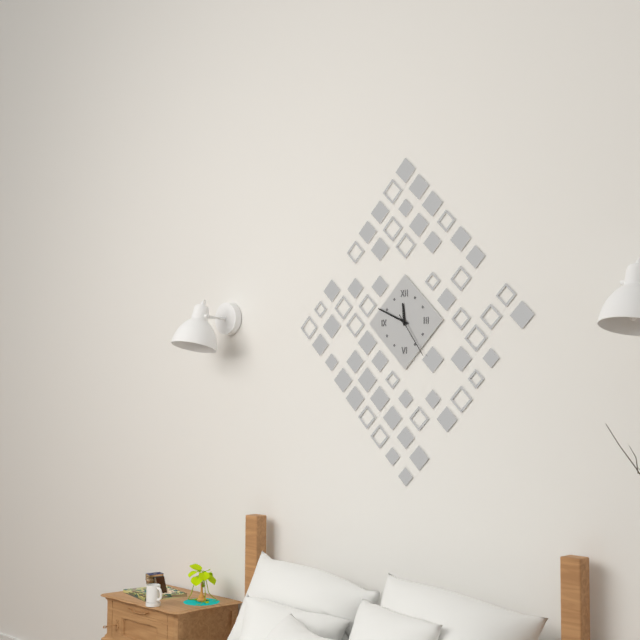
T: 11.49.24
